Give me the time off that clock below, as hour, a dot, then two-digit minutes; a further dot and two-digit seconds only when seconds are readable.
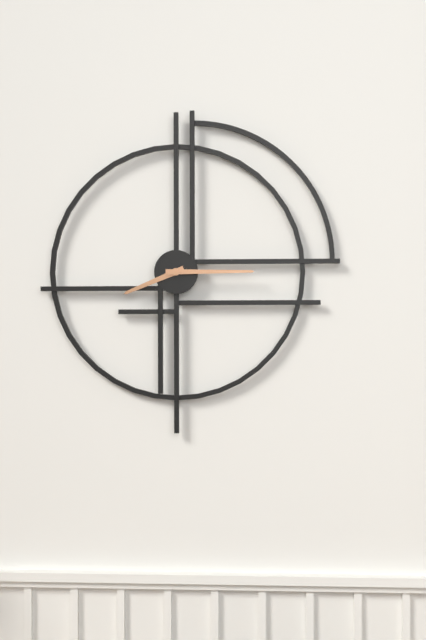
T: 8.15
